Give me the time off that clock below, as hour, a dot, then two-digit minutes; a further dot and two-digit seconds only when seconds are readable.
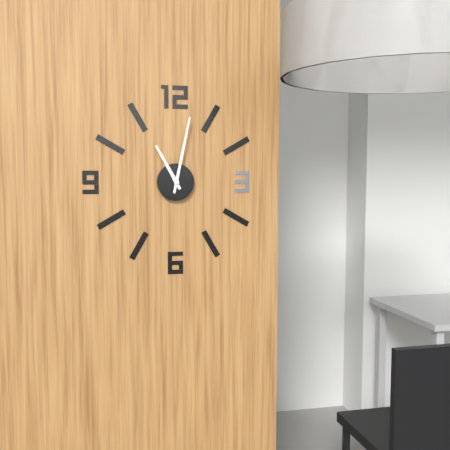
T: 11.02
